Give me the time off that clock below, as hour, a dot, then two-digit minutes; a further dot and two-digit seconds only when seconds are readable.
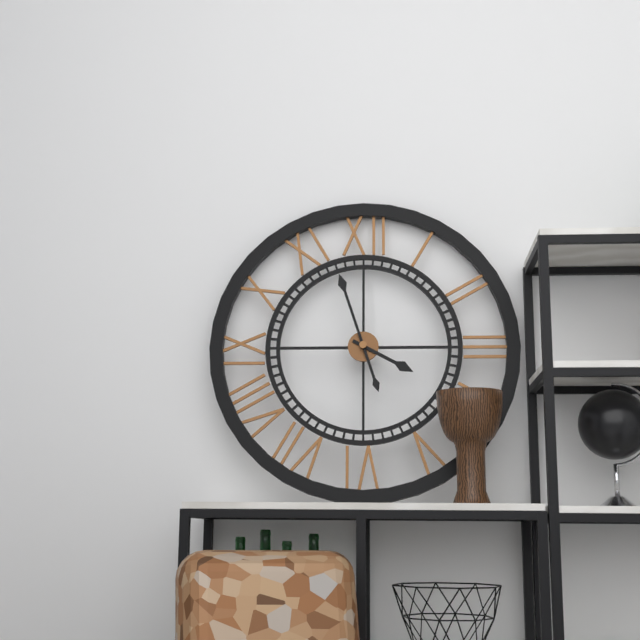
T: 3.57
